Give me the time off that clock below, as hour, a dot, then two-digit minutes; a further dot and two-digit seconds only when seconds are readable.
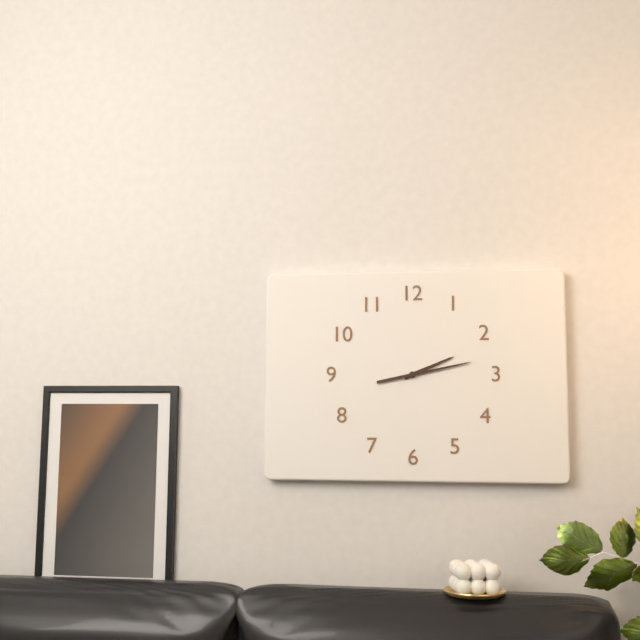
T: 2.13
